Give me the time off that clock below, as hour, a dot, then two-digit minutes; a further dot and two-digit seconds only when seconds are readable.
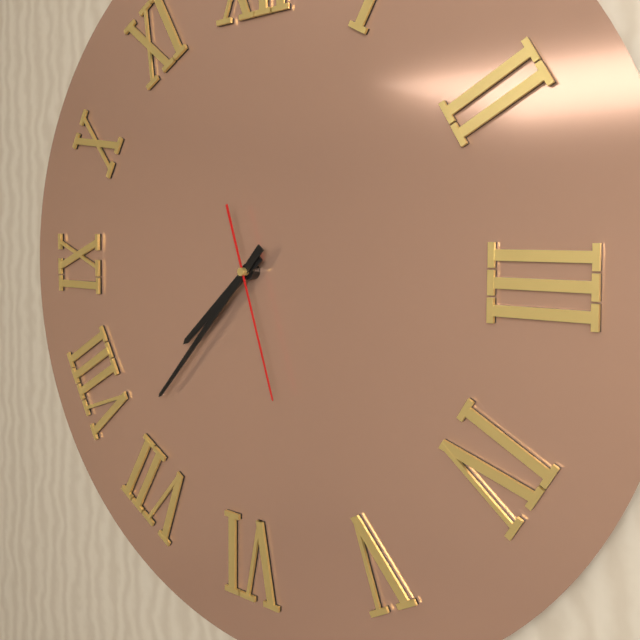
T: 7.37.27
